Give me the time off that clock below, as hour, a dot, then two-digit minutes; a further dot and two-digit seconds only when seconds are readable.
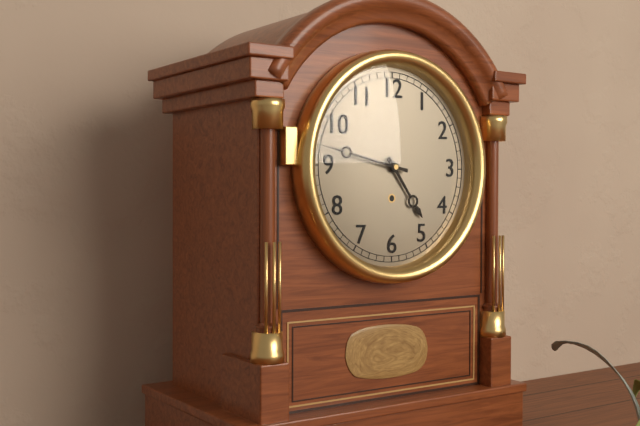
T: 4.47
